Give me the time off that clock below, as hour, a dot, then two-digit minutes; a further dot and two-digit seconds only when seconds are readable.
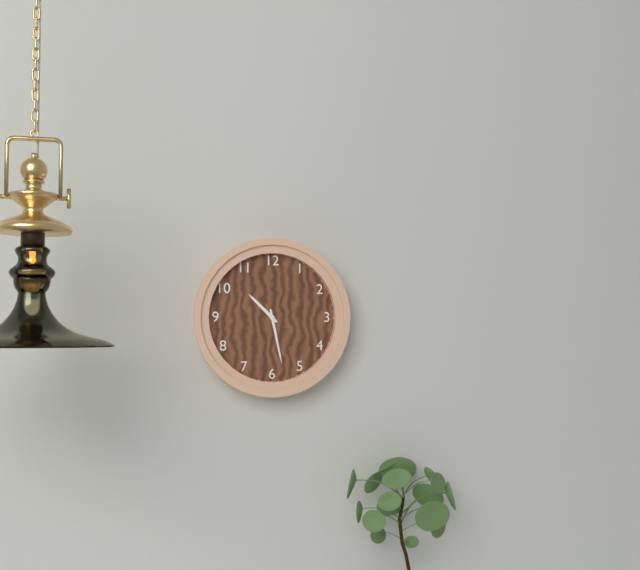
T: 10.28
